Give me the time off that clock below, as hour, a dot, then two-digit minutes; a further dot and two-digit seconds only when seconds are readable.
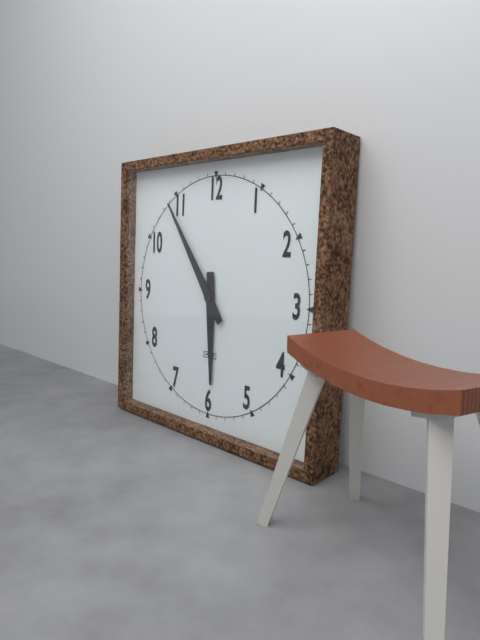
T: 5.54
